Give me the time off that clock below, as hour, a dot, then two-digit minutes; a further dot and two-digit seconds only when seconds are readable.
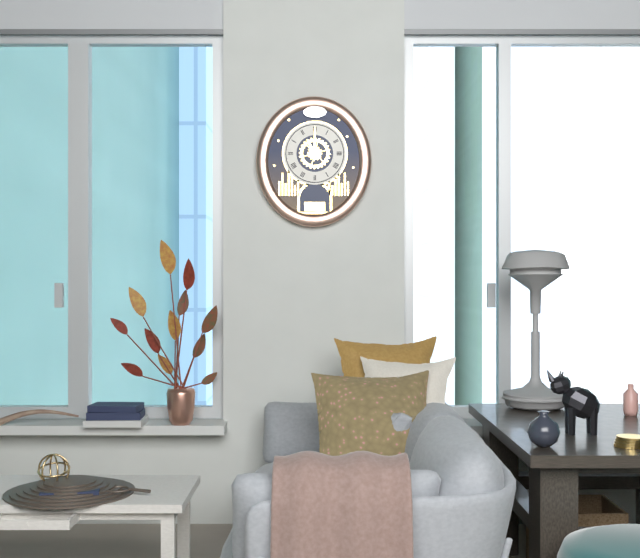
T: 11.00
